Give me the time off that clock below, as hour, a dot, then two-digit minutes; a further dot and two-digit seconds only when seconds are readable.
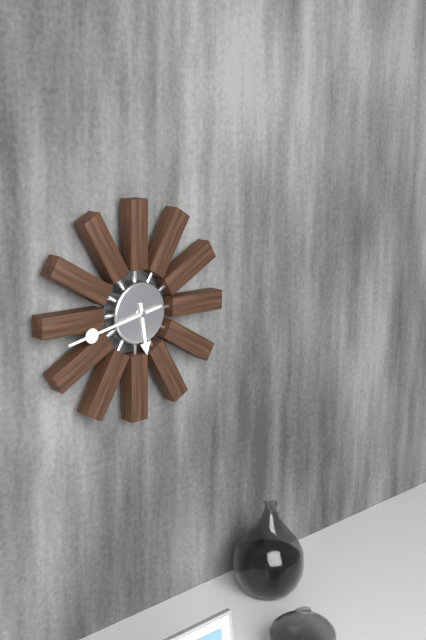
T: 5.43
